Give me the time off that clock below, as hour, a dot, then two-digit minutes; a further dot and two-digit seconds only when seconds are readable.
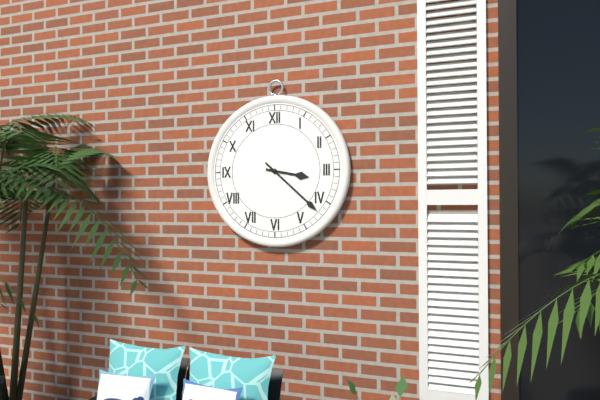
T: 3.22
